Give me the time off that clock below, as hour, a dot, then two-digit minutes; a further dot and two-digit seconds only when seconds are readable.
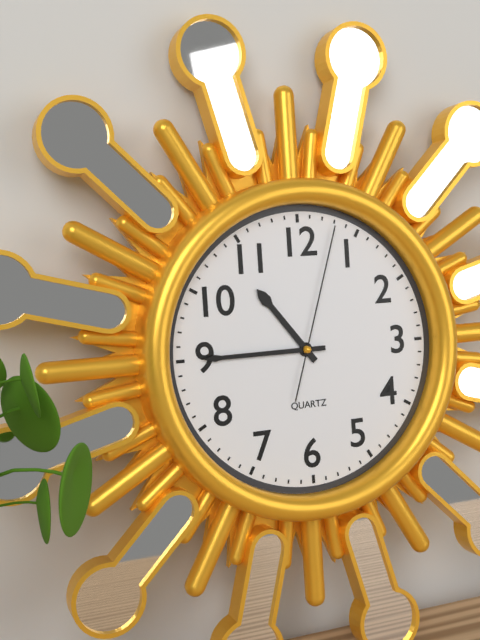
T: 10.45.03
